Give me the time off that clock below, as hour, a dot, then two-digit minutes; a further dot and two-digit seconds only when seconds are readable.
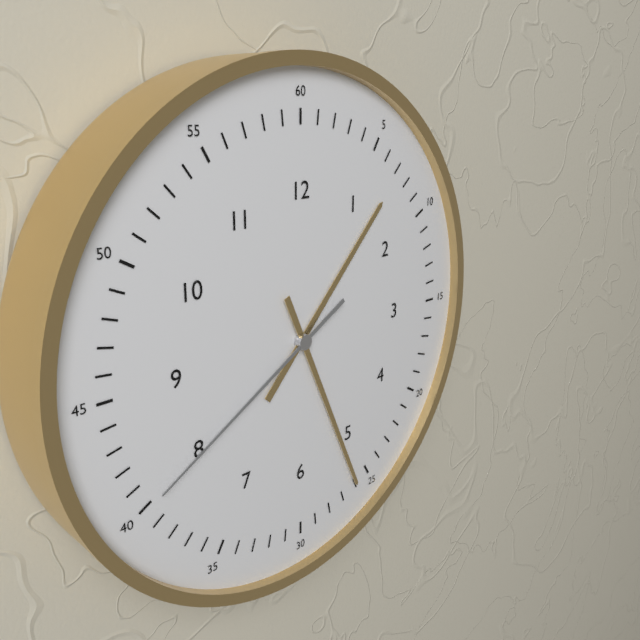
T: 1.26.40
